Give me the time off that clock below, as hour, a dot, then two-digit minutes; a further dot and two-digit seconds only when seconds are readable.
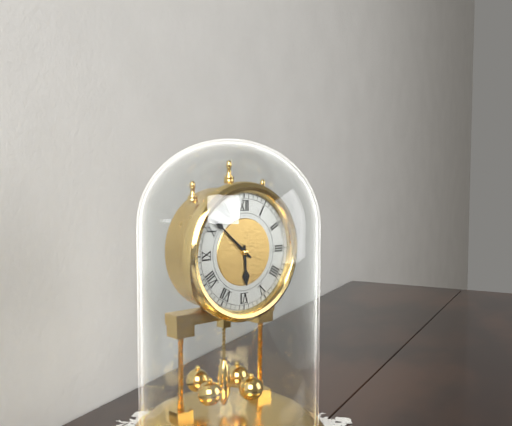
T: 5.52
